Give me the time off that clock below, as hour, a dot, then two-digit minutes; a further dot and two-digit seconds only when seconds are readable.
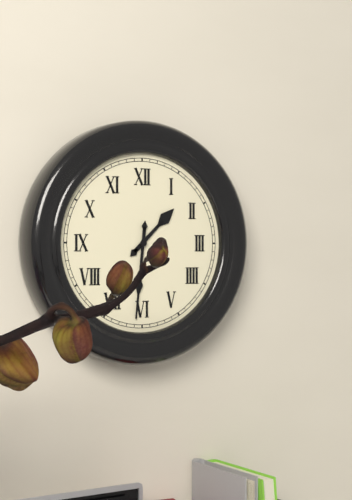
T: 1.31
